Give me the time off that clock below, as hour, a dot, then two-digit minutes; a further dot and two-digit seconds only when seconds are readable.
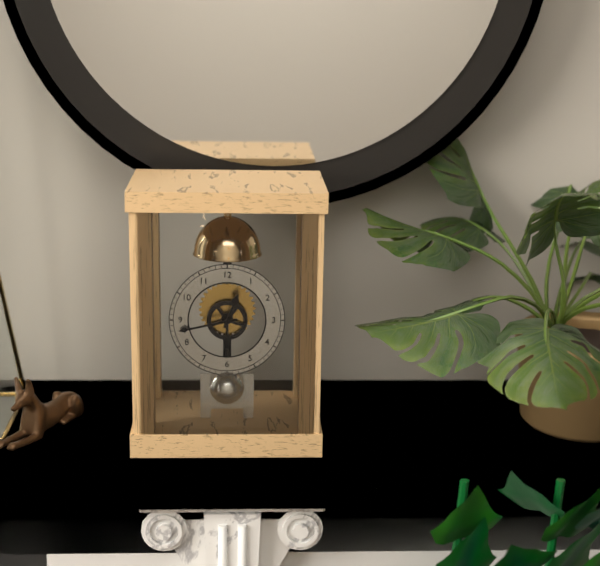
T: 12.43
